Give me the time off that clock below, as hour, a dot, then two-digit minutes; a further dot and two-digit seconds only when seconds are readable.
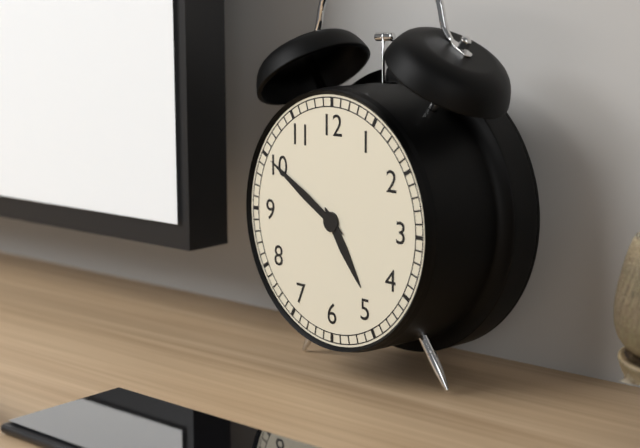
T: 4.50
